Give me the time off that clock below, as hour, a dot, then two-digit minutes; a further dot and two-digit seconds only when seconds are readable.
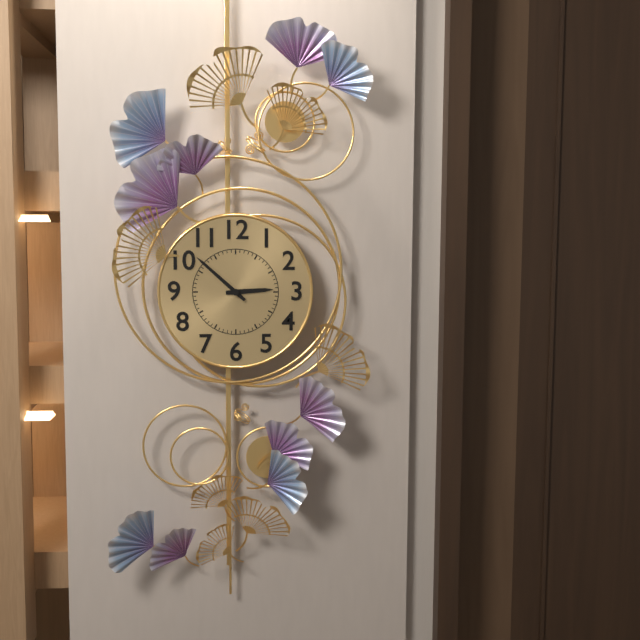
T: 2.52
